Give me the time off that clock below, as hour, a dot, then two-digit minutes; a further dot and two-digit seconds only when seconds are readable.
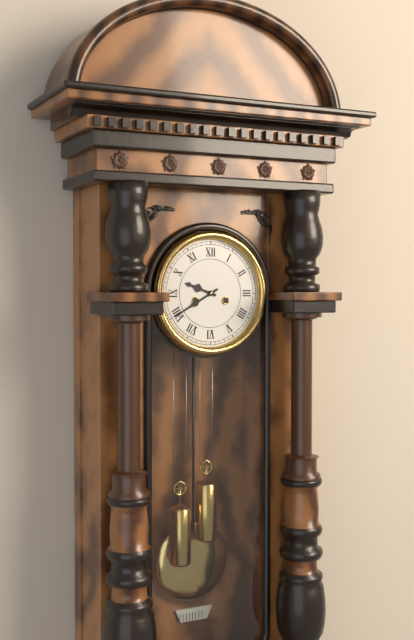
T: 9.40
